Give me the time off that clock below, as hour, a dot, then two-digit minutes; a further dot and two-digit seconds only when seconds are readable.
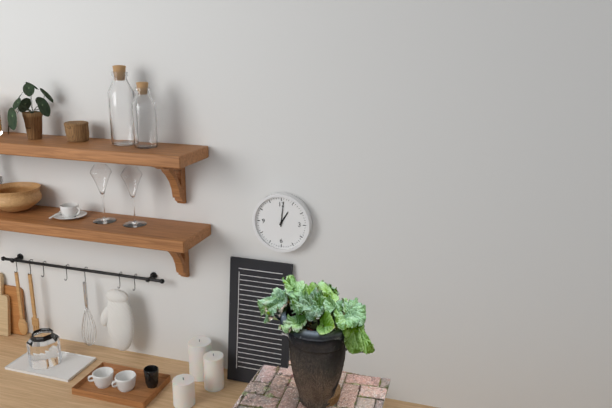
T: 1.01
